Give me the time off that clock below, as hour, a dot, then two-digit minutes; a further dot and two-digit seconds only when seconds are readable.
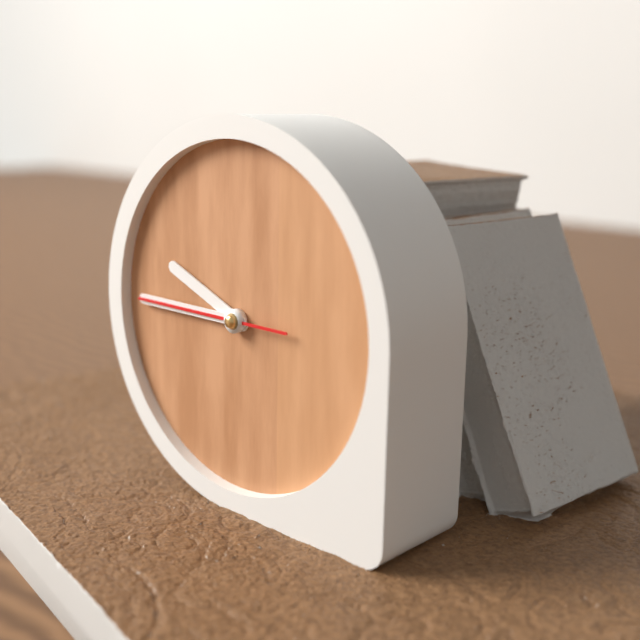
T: 9.45.45
